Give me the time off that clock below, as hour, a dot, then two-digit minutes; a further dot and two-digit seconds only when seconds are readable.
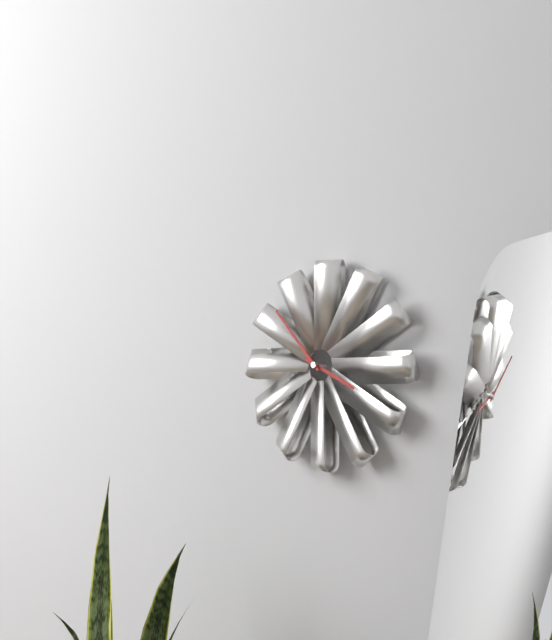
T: 3.53
